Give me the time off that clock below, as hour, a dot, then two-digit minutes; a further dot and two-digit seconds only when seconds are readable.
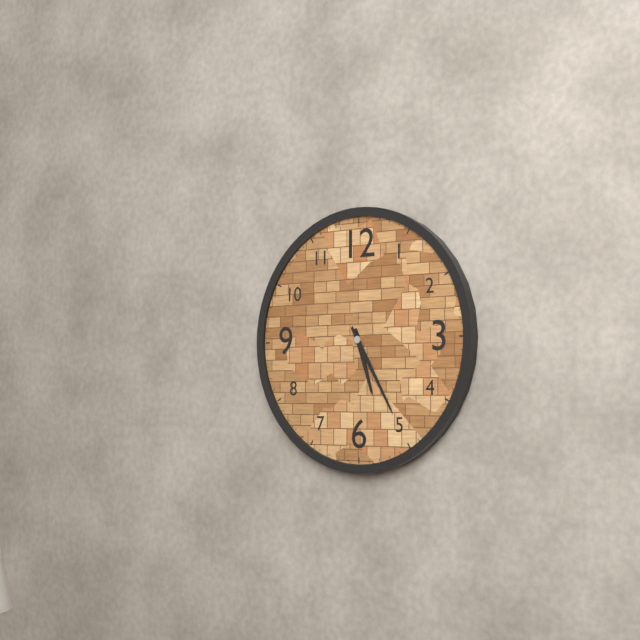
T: 5.25
